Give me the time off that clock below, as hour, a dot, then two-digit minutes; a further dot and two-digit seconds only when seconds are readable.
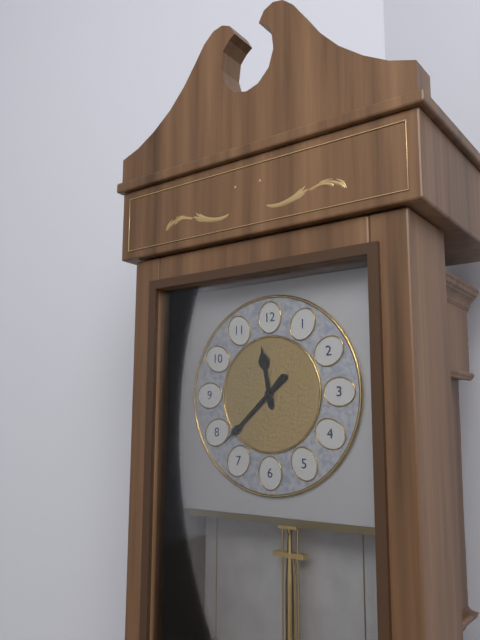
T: 11.38
